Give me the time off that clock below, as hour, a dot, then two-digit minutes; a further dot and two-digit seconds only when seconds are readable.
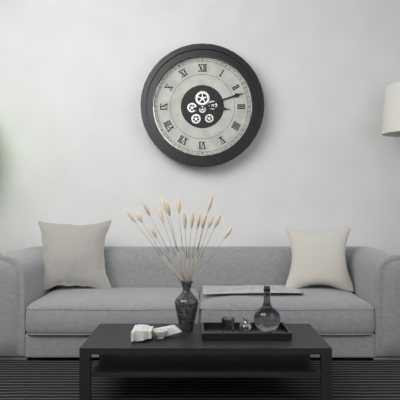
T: 3.12
